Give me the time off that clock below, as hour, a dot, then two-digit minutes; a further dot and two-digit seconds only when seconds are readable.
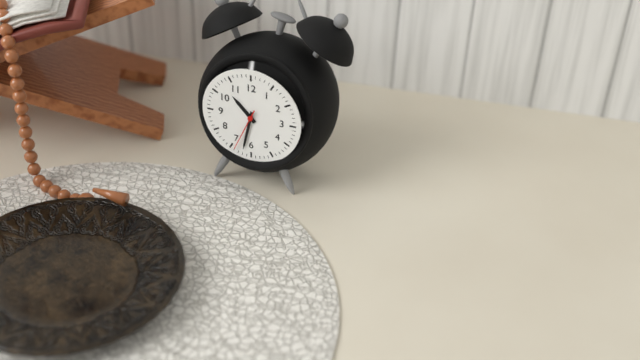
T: 10.32
